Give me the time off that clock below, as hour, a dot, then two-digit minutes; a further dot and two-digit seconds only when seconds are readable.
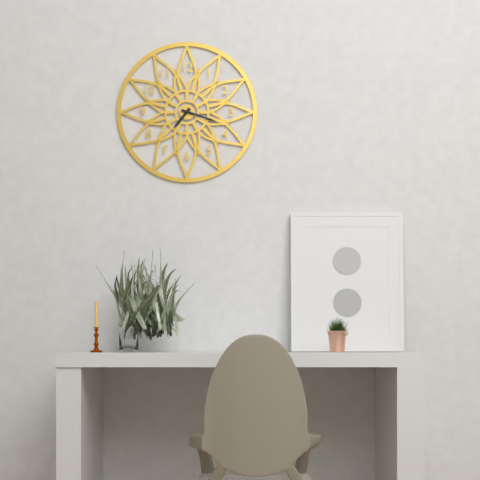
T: 7.18
